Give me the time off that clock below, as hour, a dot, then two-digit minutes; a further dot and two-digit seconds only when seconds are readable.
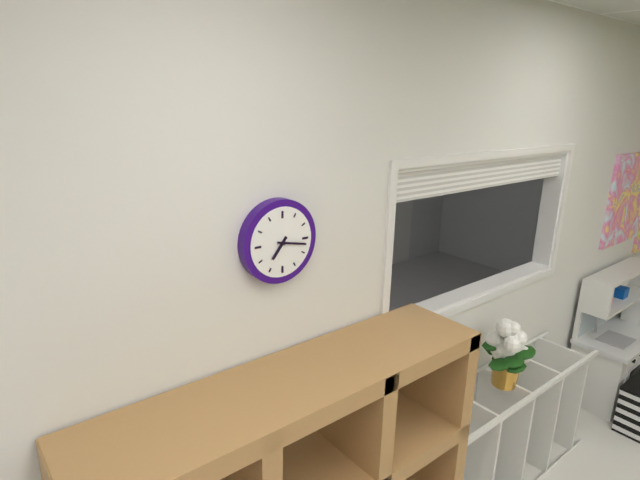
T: 7.17
